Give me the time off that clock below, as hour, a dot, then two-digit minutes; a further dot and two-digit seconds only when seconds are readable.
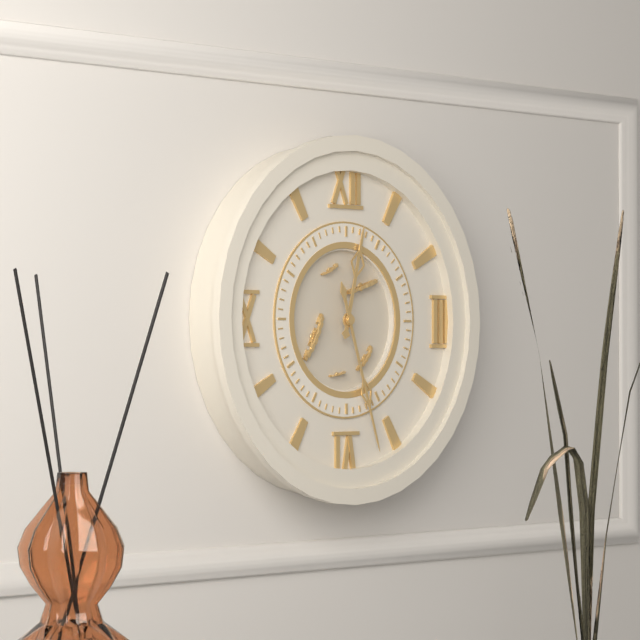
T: 12.27
